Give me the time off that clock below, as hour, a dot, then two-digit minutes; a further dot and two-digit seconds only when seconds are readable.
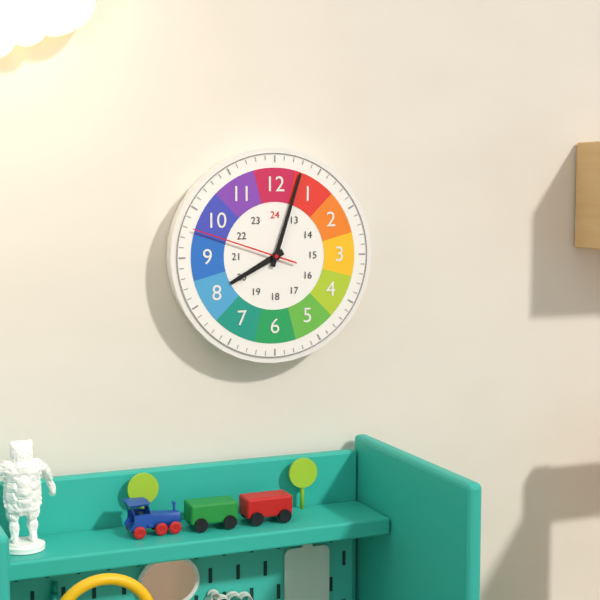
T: 8.03.48
